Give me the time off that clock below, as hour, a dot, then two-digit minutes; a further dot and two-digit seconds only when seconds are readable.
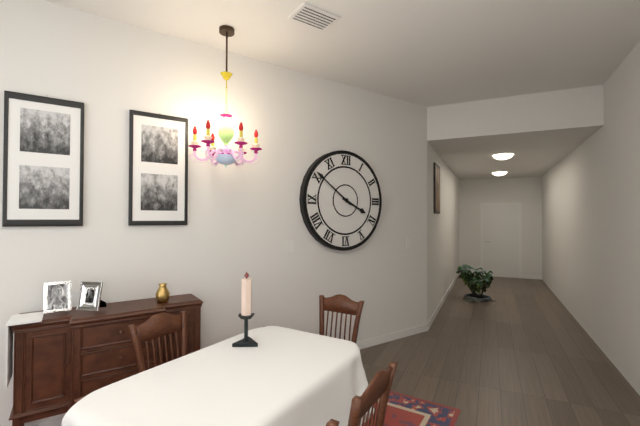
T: 3.51
